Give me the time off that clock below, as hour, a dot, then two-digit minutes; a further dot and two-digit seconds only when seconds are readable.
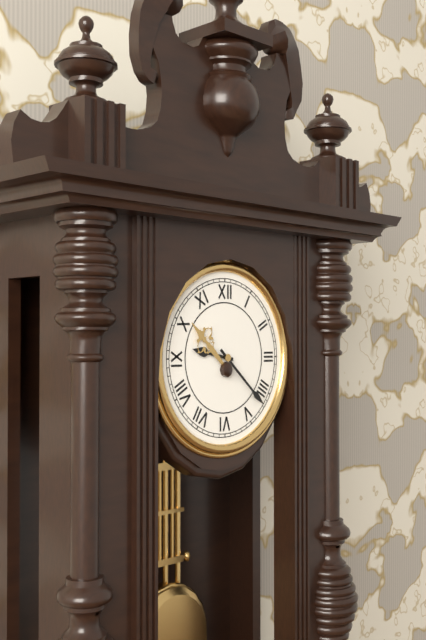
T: 9.22
